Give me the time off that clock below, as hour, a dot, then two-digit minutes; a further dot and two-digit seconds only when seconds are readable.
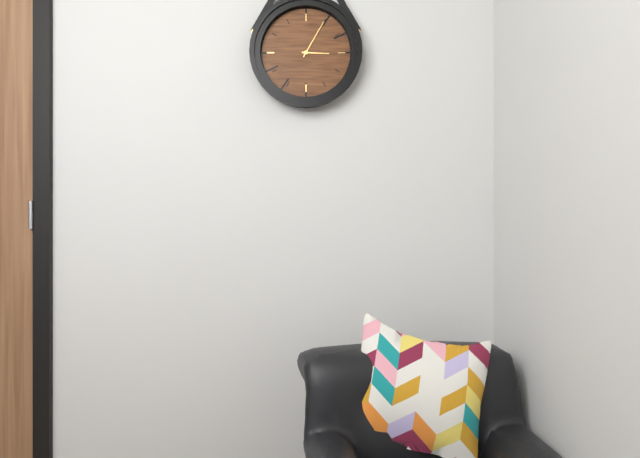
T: 3.05
